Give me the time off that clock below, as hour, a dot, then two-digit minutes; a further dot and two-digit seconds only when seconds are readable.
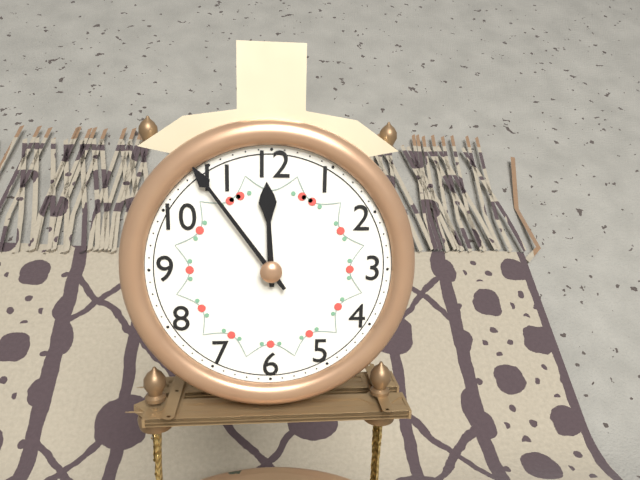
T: 11.54
